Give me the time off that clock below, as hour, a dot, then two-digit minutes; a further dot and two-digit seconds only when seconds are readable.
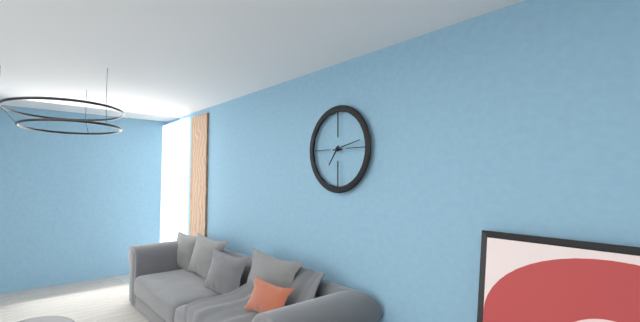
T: 7.13
